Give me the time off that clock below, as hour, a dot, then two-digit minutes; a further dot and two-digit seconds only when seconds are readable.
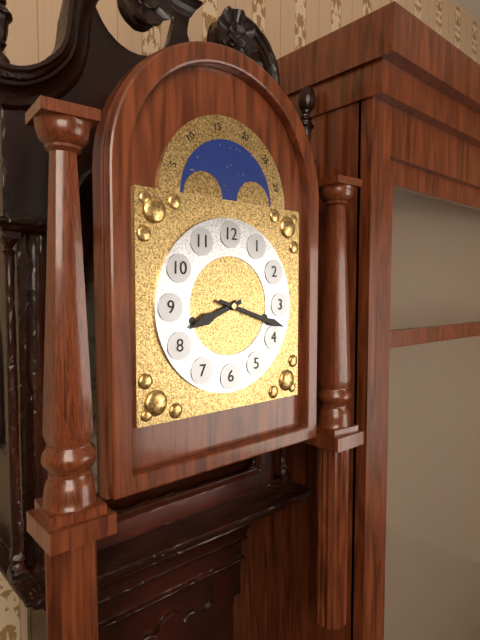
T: 8.18
